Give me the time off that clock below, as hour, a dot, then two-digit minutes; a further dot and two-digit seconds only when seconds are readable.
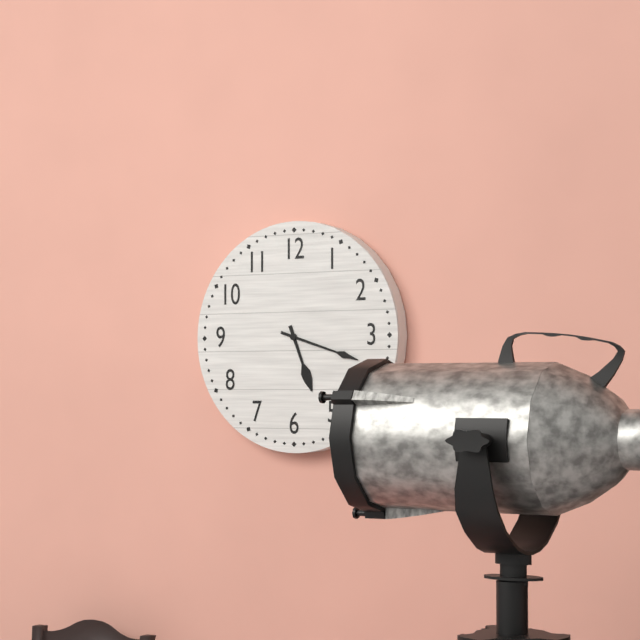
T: 5.18
